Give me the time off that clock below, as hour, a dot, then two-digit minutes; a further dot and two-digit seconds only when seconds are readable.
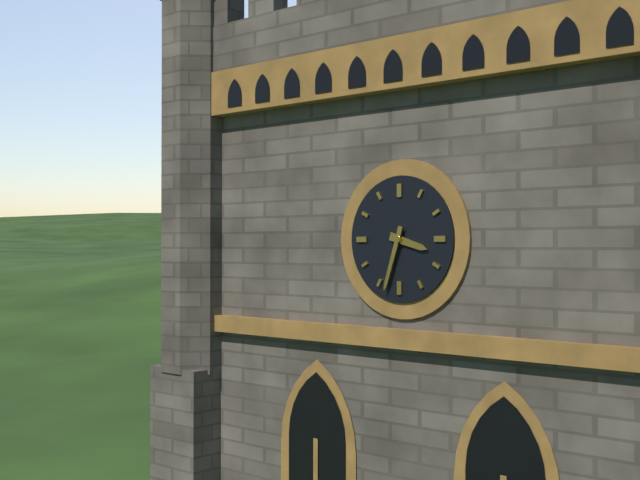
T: 3.33
